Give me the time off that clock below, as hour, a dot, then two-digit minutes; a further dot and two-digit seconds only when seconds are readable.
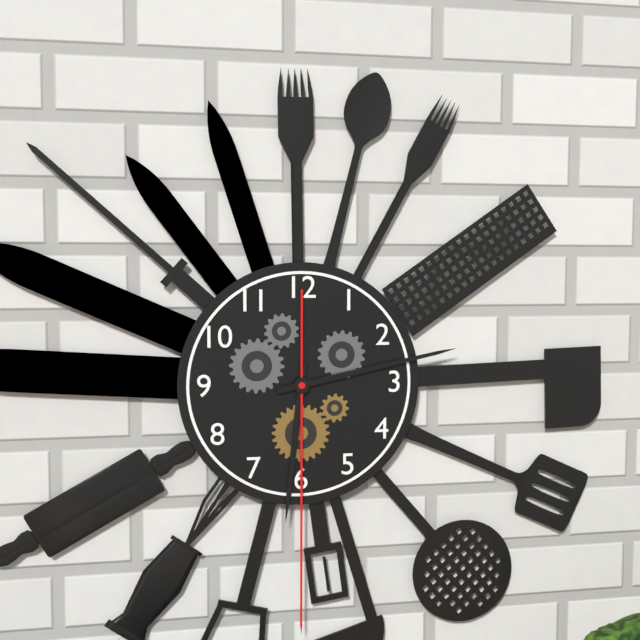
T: 6.13.30
